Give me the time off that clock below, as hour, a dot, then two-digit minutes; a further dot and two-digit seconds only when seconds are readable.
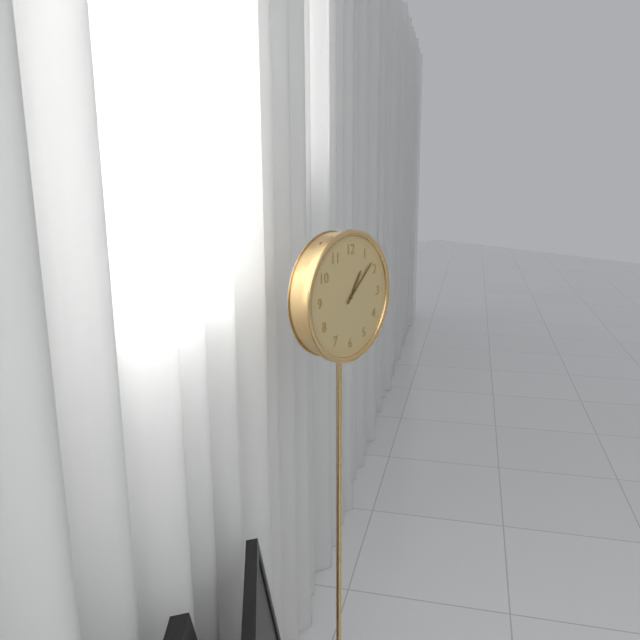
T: 1.08
